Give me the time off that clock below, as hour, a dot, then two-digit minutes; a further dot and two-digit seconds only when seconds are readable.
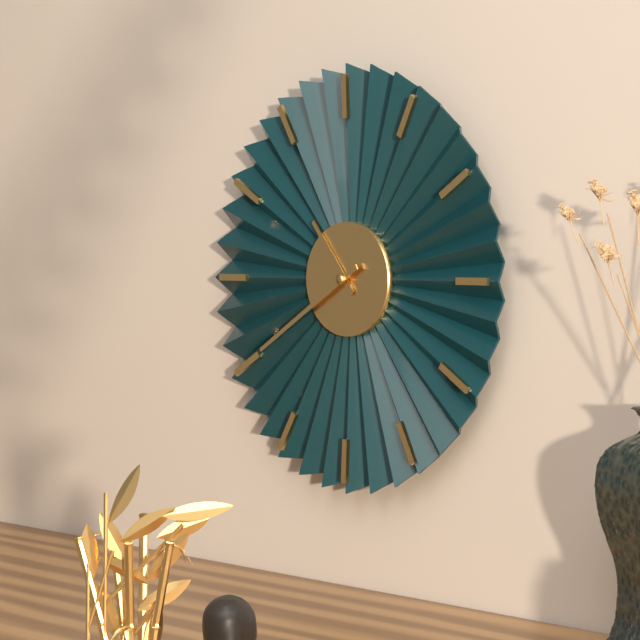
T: 10.40
